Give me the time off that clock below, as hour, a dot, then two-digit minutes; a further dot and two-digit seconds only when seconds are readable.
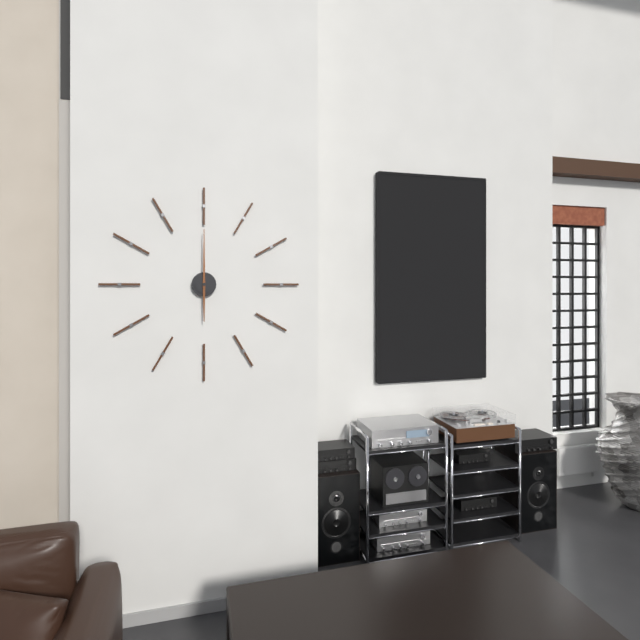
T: 6.00
